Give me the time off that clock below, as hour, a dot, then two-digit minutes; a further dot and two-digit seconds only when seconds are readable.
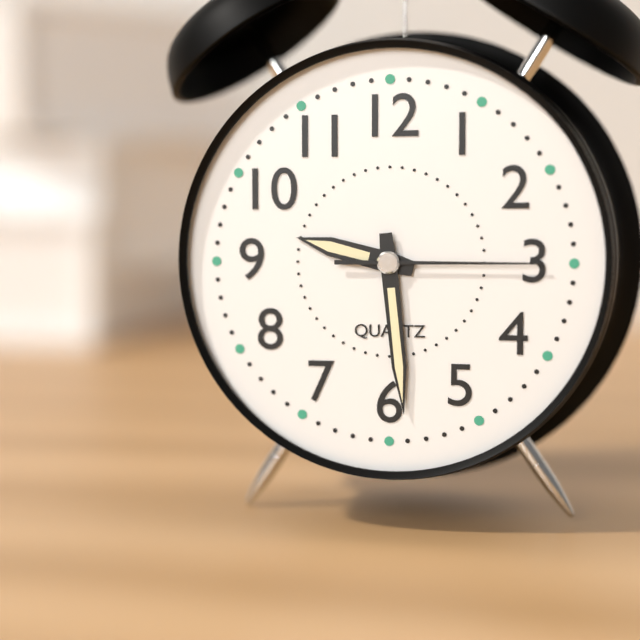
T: 9.29.15
